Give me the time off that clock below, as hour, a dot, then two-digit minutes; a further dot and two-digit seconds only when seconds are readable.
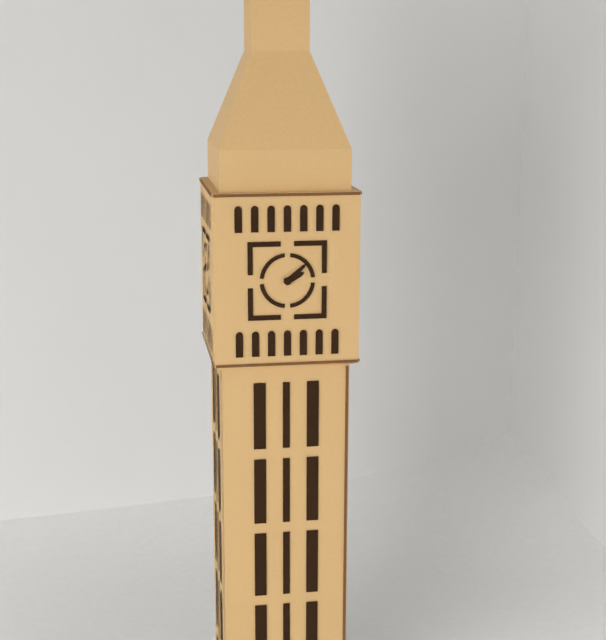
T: 2.08
